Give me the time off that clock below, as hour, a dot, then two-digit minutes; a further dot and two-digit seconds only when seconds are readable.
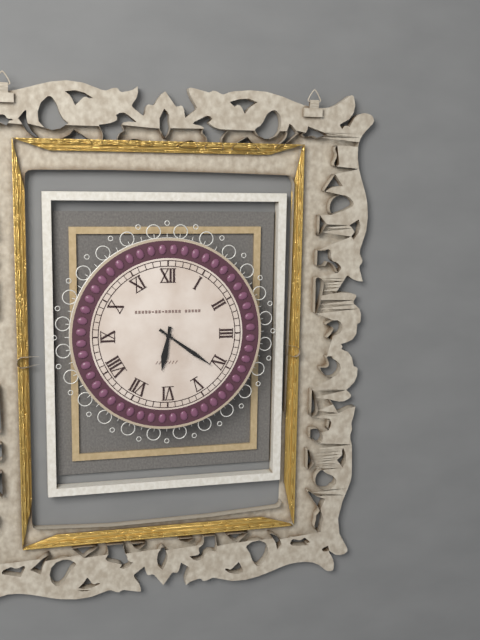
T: 6.21
